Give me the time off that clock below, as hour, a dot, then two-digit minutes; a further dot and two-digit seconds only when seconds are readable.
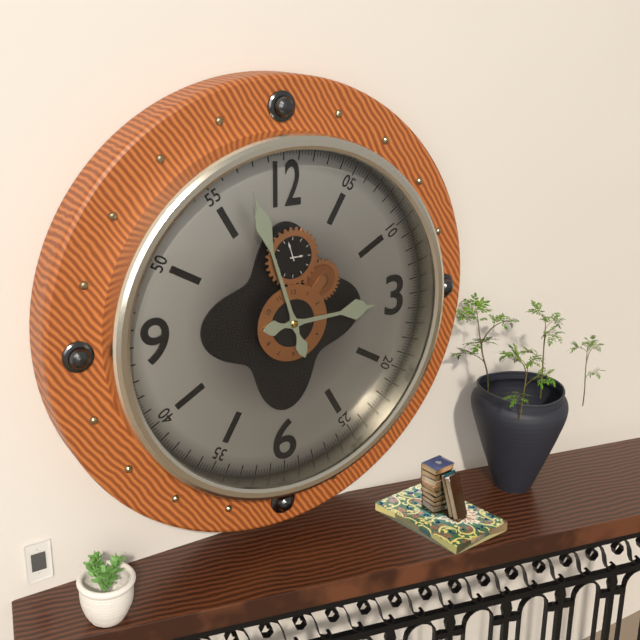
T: 2.57
